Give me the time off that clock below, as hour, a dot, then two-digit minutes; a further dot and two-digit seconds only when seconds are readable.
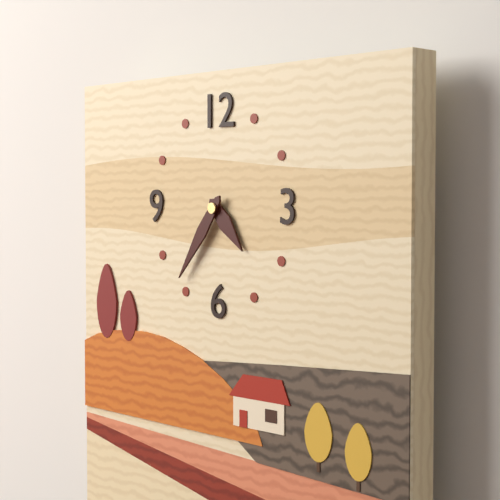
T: 4.36
